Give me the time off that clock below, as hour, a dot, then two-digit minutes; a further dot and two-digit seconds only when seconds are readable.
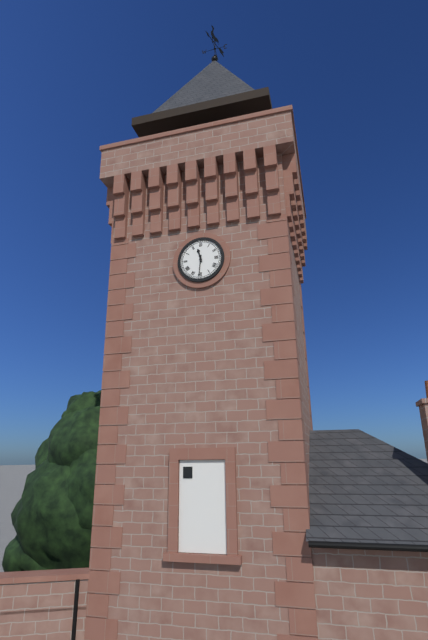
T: 11.31
